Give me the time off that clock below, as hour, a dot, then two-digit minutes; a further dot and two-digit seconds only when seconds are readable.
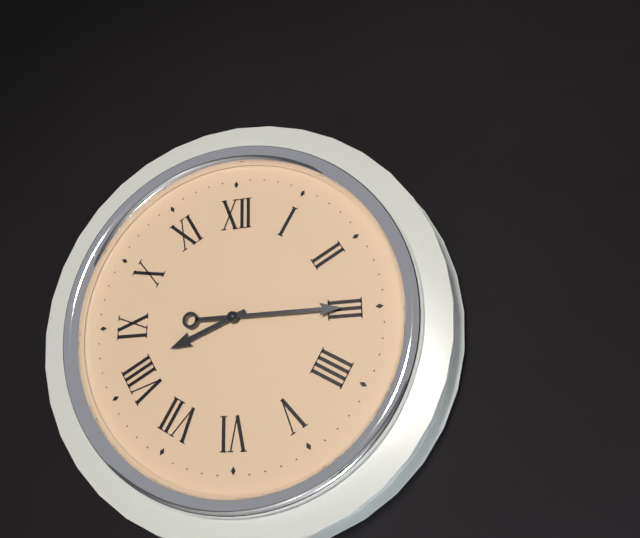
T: 8.15
